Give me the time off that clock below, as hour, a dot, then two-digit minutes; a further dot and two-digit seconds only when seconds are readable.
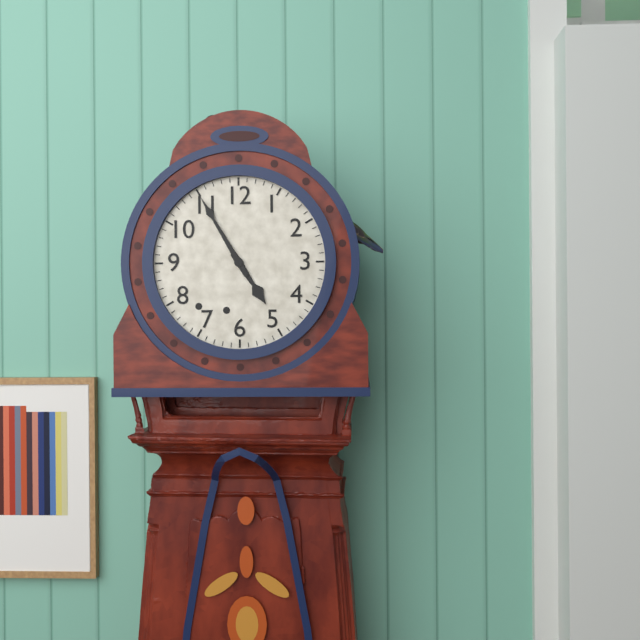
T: 4.55
